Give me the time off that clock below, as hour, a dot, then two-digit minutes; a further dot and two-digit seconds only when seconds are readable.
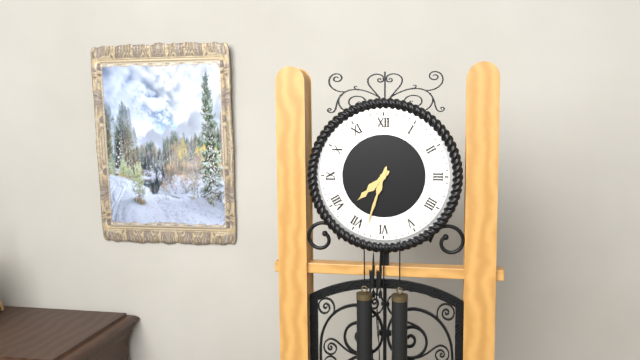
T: 7.33
